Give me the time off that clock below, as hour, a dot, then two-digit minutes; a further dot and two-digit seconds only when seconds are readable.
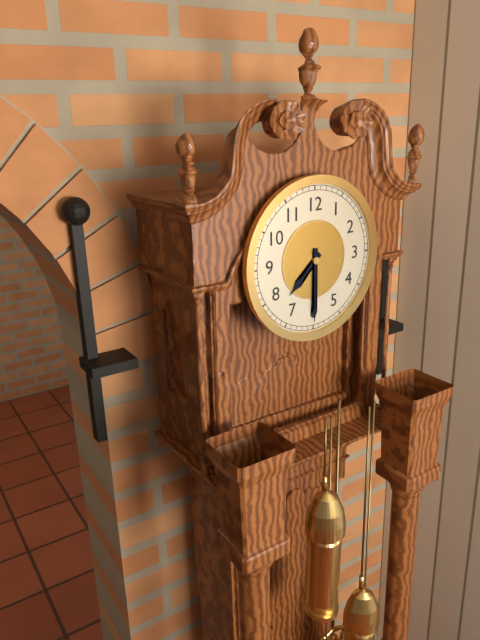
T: 7.30
